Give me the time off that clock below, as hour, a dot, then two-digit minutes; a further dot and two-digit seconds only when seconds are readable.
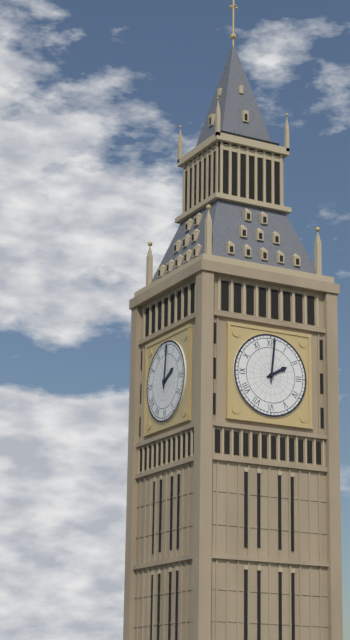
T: 2.01
